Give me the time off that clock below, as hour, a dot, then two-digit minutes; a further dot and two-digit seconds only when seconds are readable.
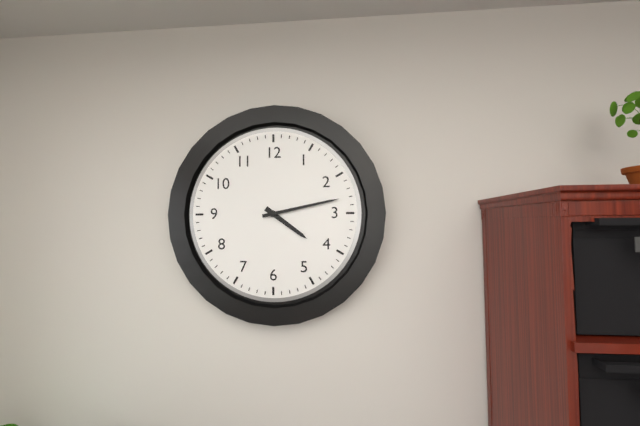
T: 4.13
